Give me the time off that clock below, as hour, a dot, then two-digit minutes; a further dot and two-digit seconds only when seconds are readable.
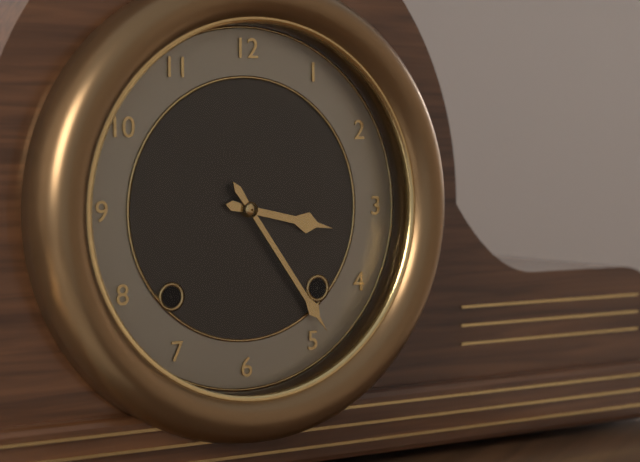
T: 3.24
